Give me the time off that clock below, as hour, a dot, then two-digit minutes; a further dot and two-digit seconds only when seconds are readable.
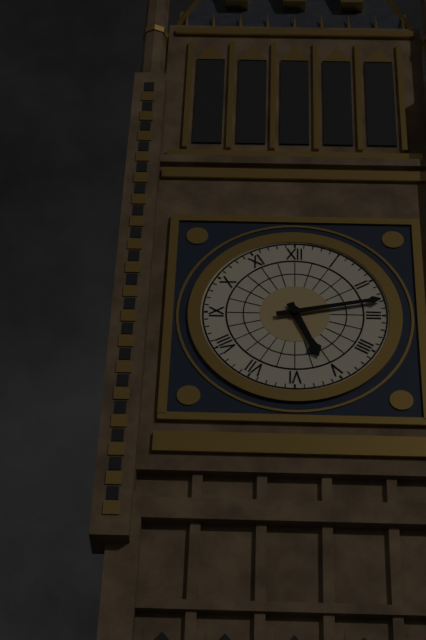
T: 5.13
